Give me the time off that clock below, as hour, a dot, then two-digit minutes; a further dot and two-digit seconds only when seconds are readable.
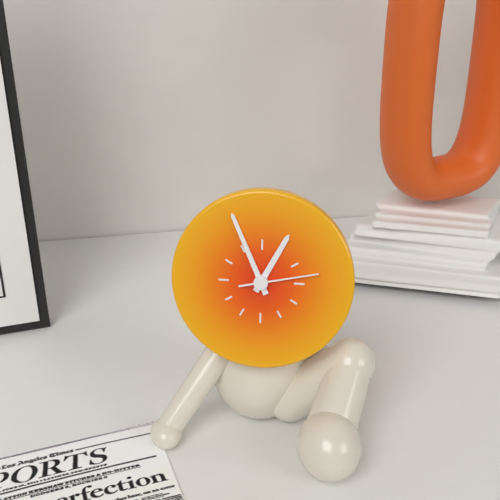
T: 12.56.13
